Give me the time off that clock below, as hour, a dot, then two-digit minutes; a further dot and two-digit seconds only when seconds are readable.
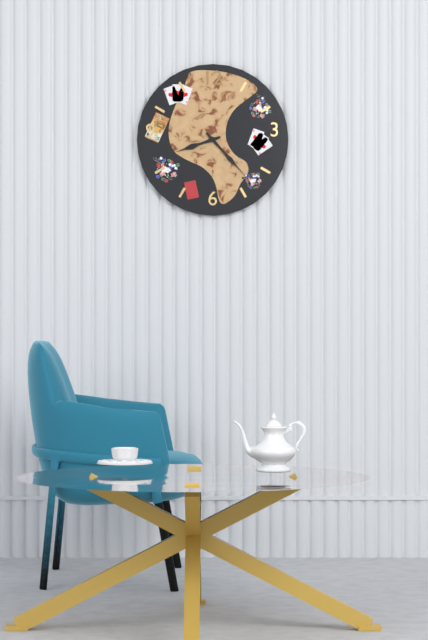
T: 8.23
